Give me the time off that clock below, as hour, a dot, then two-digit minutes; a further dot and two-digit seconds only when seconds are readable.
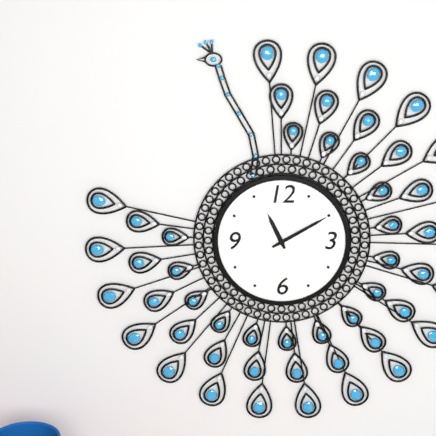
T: 11.10
